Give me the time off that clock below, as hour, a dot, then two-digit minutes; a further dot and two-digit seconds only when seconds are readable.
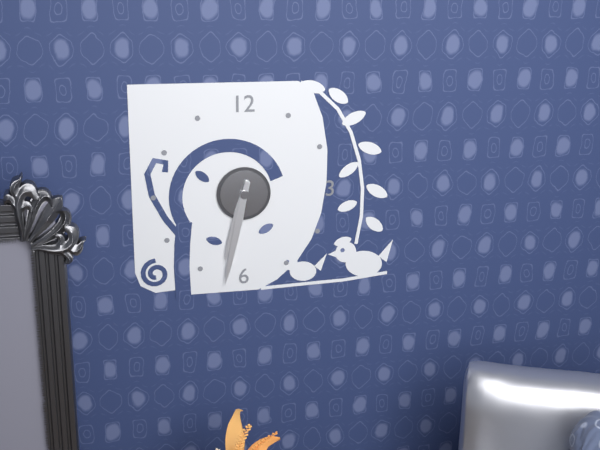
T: 6.32
